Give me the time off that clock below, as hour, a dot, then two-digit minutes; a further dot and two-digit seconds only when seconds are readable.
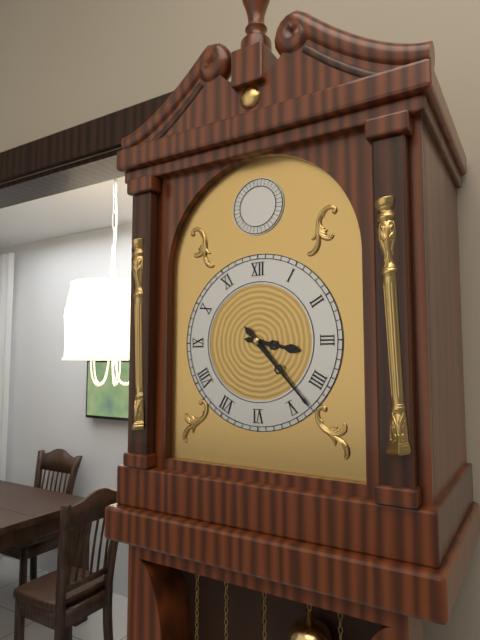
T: 3.23
